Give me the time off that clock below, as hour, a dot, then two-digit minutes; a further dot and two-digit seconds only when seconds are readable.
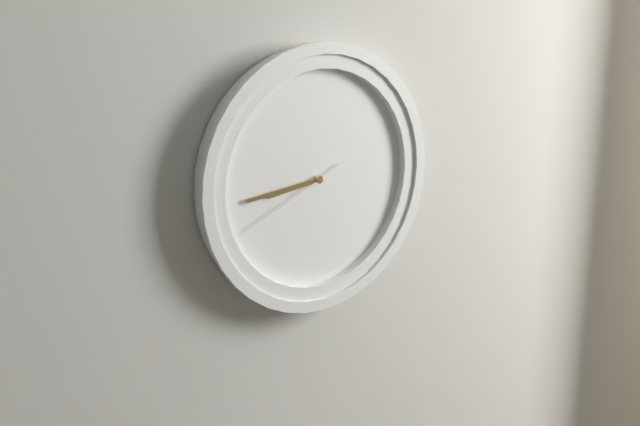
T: 8.44.41
